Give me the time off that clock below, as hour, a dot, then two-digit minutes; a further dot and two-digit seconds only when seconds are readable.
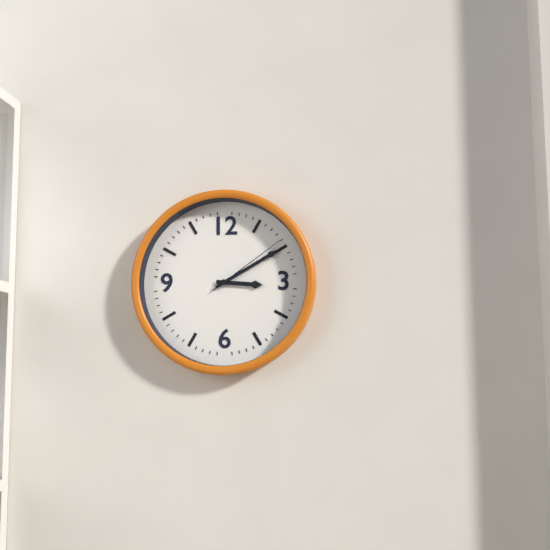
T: 3.10.09
